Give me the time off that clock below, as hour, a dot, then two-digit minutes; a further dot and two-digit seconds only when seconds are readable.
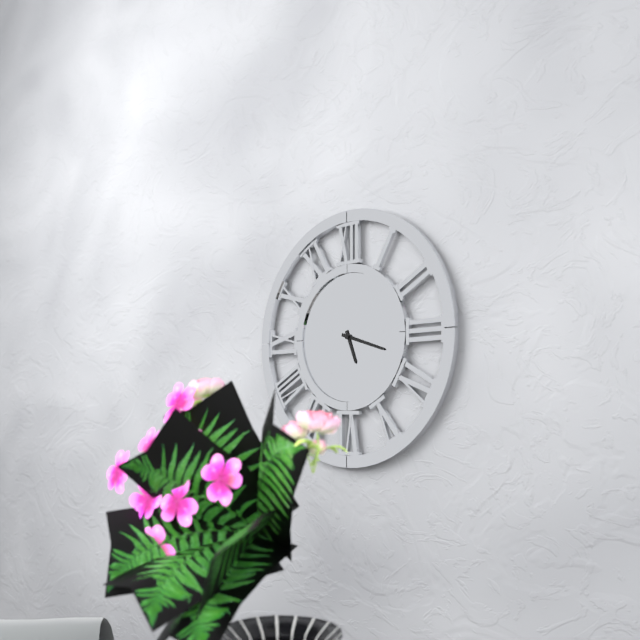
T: 5.18
